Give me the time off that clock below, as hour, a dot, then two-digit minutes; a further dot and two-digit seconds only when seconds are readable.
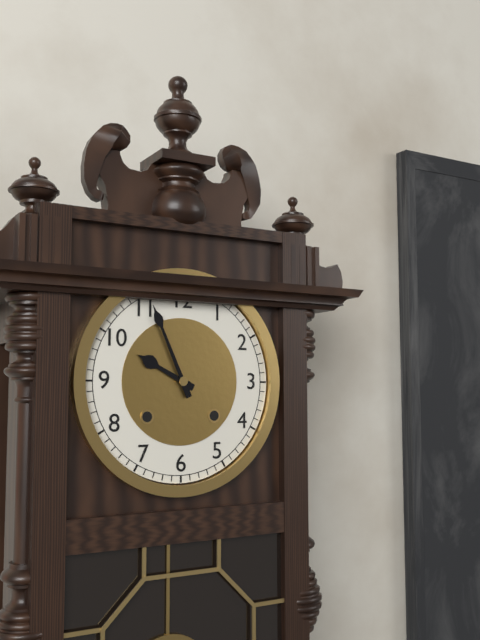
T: 9.56
